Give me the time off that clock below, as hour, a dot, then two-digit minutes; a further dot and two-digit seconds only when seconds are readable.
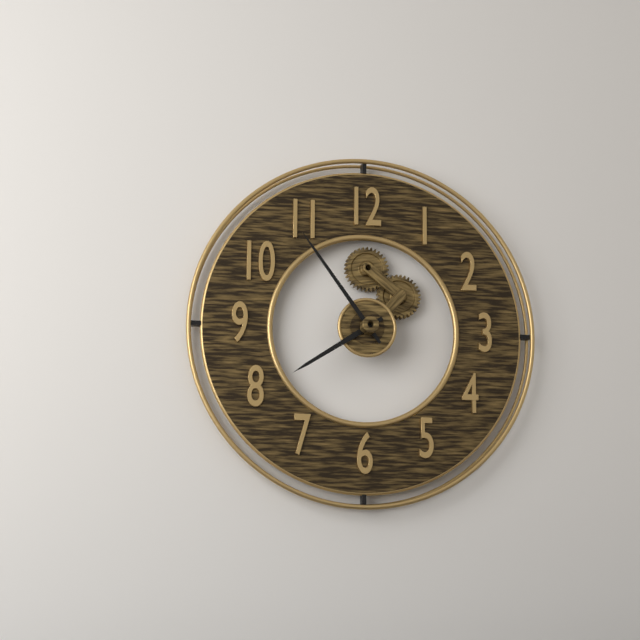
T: 7.54
